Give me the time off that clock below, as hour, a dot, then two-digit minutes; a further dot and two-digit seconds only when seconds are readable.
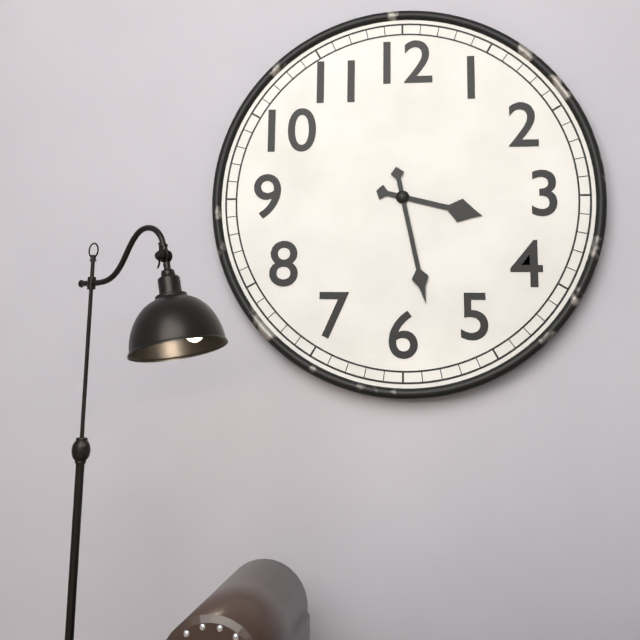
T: 3.28
